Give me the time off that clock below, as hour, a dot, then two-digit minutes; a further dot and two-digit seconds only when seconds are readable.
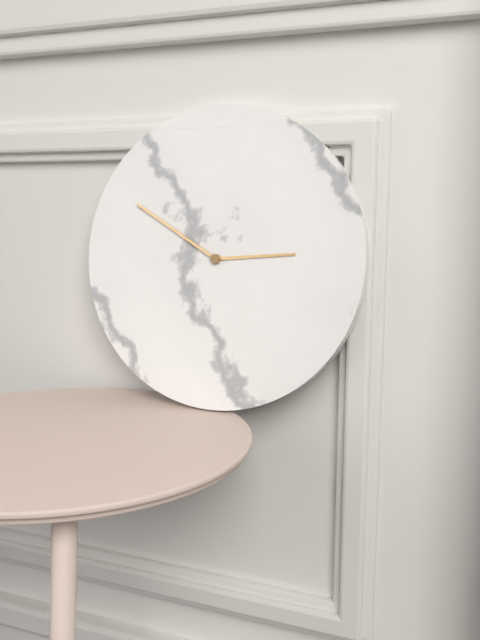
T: 2.50
